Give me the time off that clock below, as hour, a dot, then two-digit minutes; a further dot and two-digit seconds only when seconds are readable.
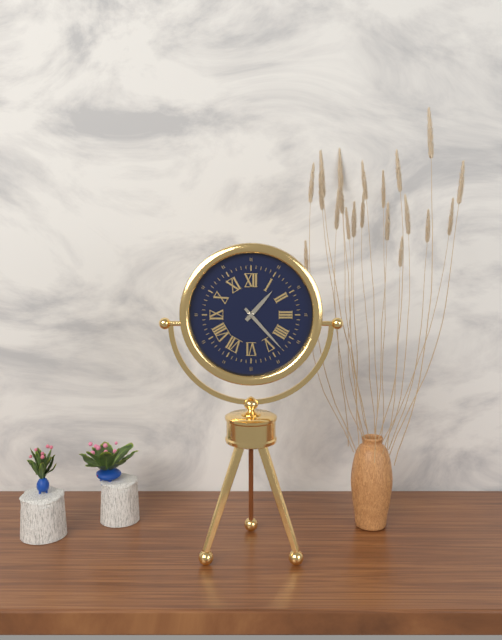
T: 1.23
